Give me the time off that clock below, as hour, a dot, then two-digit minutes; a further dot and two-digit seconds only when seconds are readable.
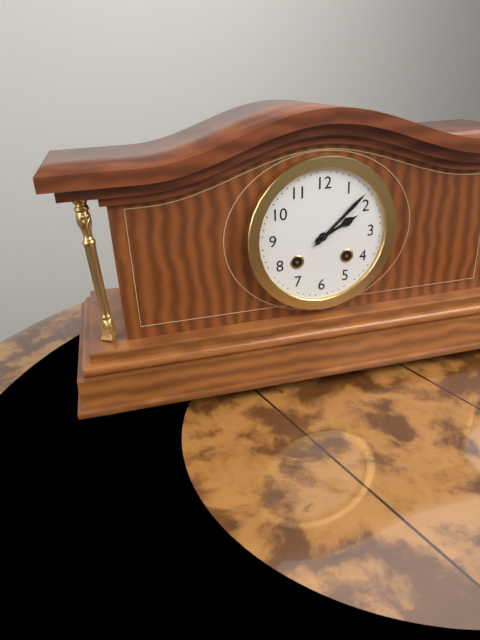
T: 2.08
